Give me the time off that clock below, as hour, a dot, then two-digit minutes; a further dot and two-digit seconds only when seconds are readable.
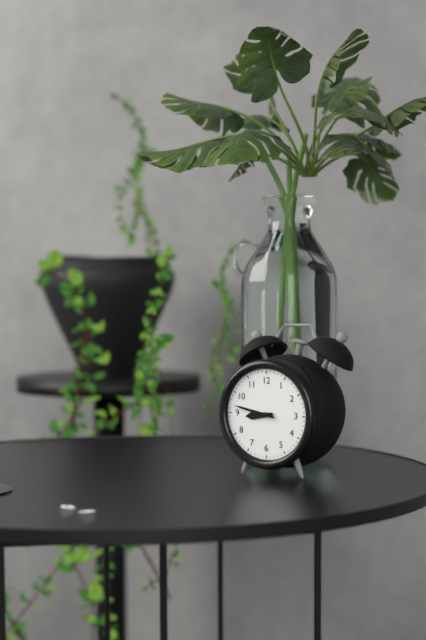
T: 8.47
